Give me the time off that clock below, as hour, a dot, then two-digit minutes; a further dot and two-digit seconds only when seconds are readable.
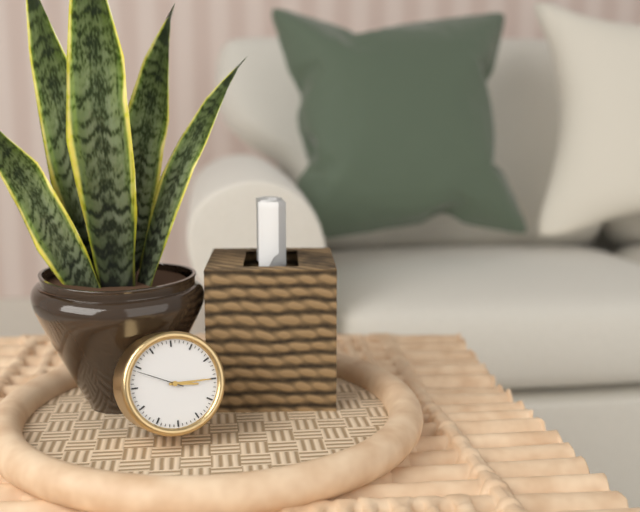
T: 3.15
